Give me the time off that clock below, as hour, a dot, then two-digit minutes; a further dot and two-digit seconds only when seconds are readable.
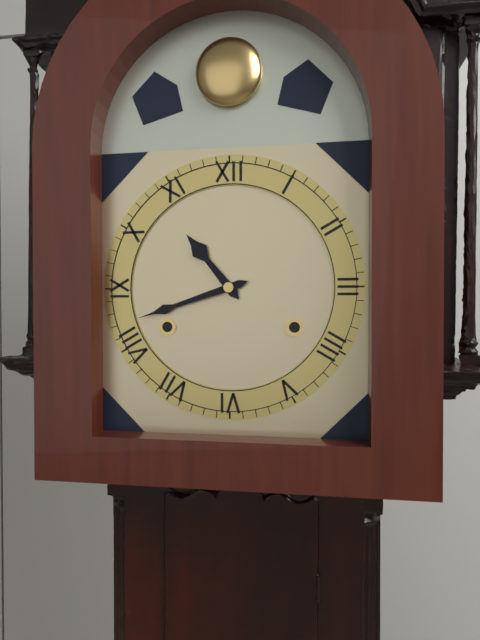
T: 10.42
